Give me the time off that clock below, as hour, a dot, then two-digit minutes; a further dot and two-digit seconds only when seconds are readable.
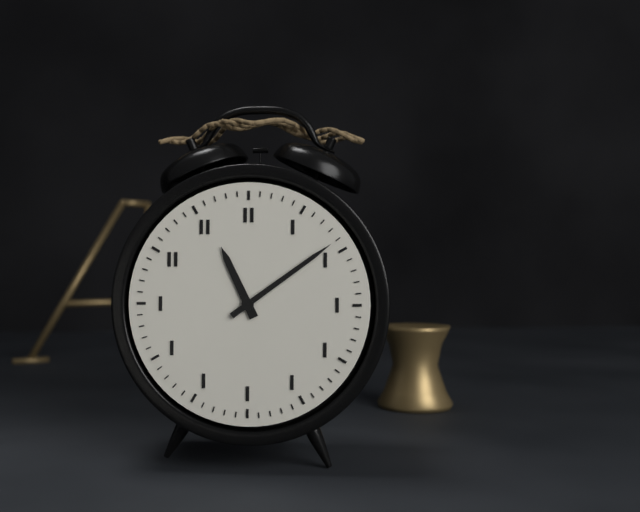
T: 11.09
